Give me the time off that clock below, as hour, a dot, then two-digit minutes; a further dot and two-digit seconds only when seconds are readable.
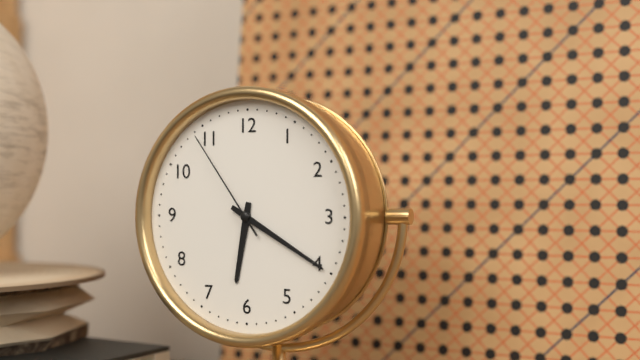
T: 6.20.54
